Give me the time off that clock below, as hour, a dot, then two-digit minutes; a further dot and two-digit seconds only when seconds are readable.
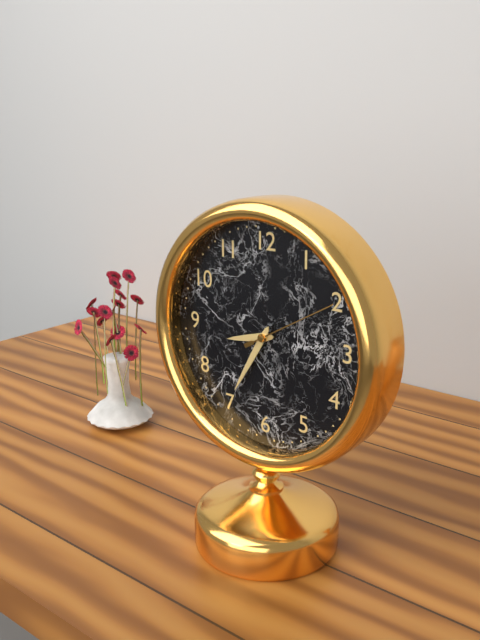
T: 8.35.10
